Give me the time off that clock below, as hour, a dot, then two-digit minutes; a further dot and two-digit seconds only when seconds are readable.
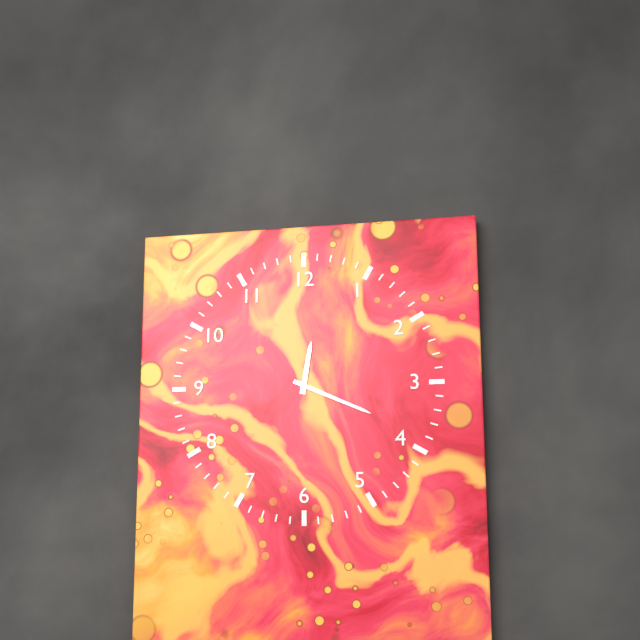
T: 12.19
